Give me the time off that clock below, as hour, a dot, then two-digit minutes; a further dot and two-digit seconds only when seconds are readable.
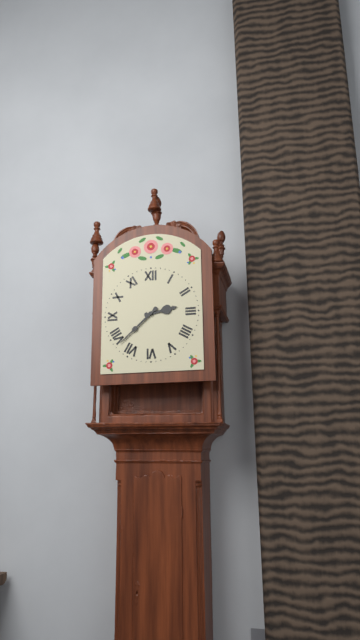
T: 2.38
